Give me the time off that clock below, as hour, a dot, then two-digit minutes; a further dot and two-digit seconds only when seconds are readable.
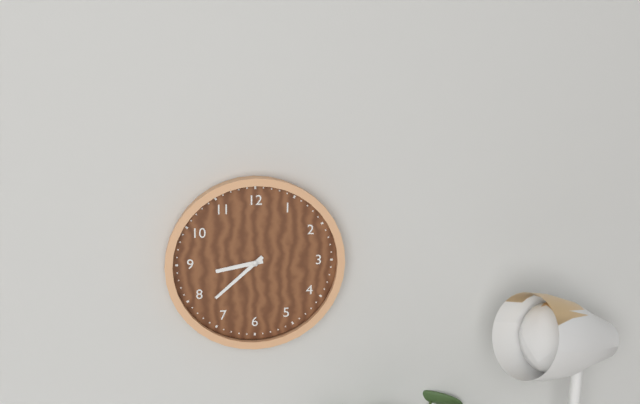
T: 8.38
